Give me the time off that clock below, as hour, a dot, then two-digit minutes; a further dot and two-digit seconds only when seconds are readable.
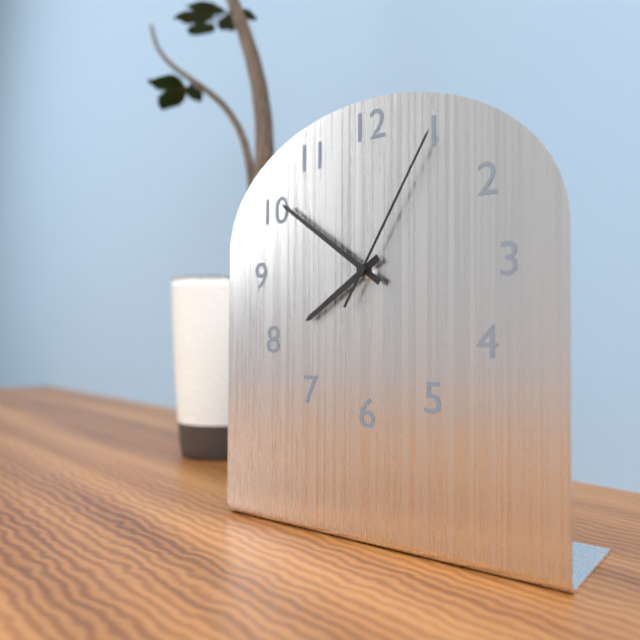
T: 7.51.05
